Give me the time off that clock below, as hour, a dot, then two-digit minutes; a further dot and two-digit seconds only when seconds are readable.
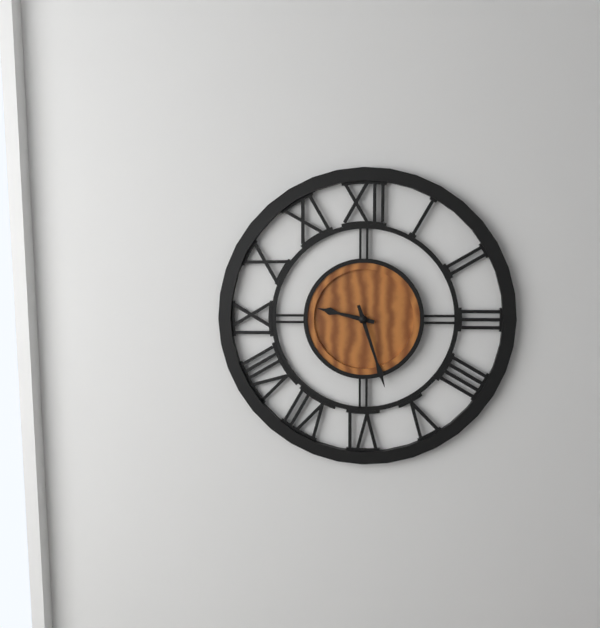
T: 9.27
